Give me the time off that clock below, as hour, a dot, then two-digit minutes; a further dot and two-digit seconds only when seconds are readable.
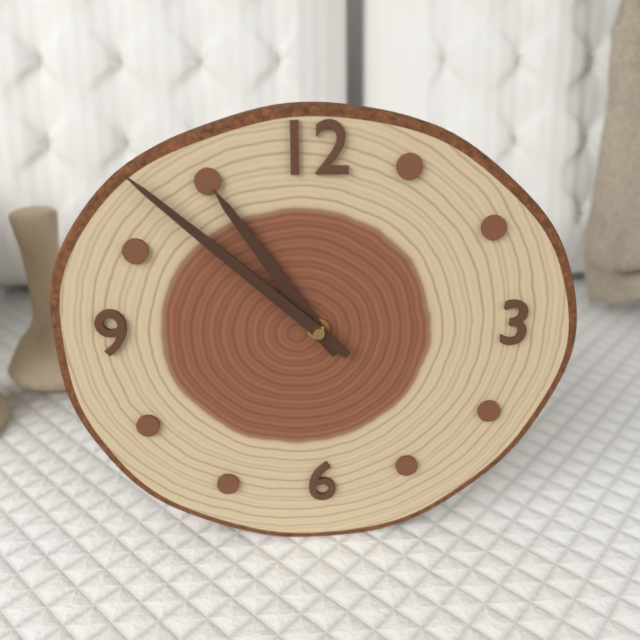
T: 10.52
